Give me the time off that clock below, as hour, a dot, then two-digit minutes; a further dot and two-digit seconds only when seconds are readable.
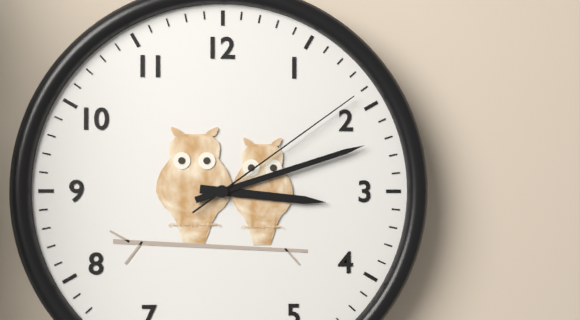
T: 3.12.09
